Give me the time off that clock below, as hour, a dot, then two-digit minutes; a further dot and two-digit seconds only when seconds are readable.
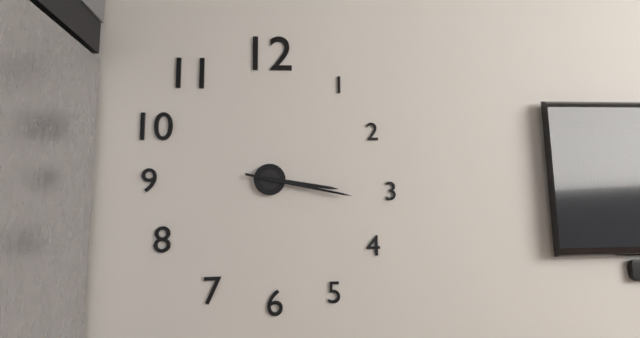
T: 3.17
